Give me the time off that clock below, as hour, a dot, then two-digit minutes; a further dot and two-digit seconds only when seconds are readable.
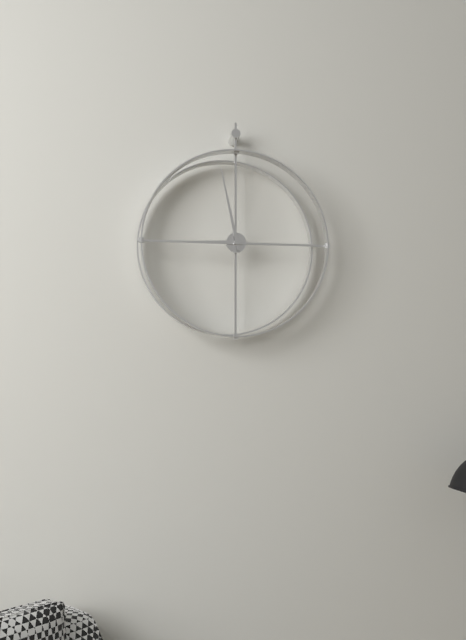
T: 8.58
